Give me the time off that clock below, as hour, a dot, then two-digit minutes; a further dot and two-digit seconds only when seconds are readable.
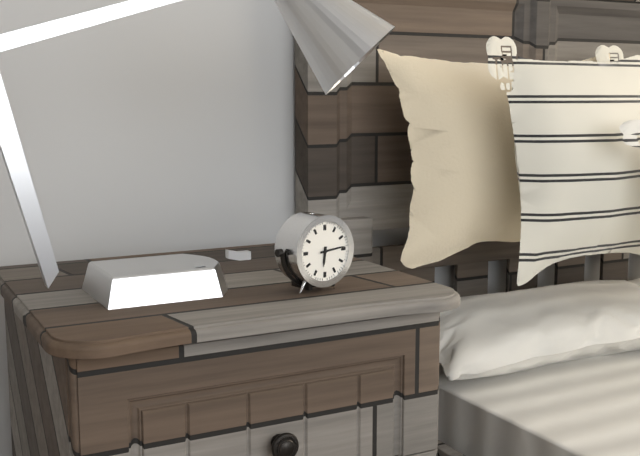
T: 6.14
